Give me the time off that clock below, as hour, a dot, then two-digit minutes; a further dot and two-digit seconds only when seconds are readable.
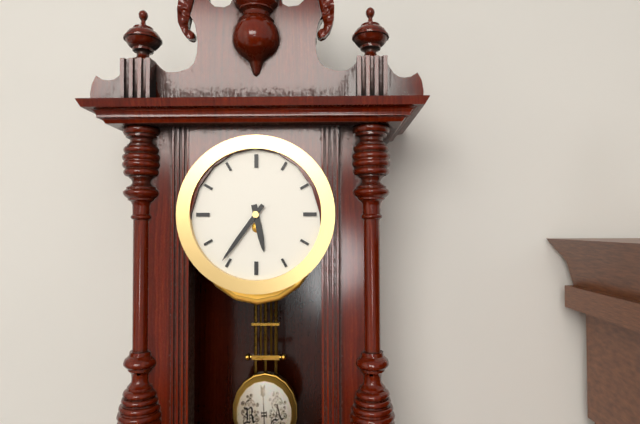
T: 5.36
